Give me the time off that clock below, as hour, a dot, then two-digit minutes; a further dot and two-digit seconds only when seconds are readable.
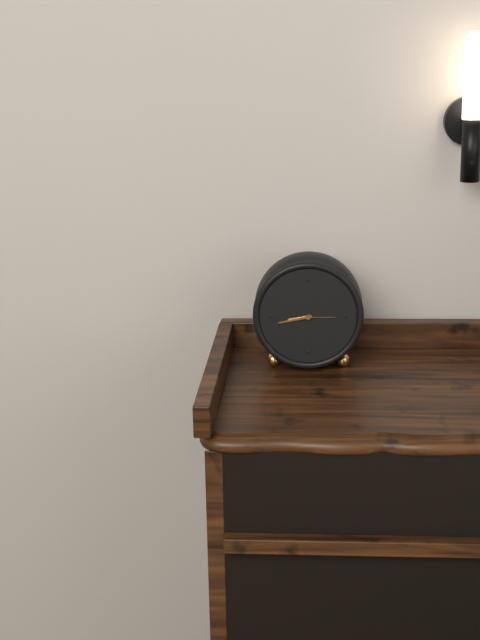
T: 8.43
